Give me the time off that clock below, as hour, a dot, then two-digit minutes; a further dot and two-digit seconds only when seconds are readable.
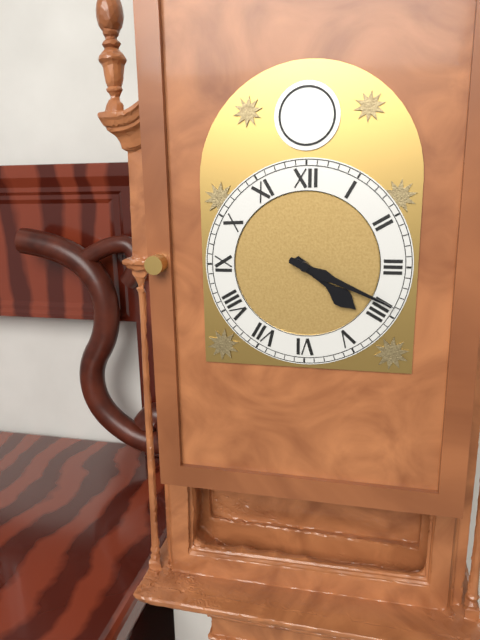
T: 4.19
